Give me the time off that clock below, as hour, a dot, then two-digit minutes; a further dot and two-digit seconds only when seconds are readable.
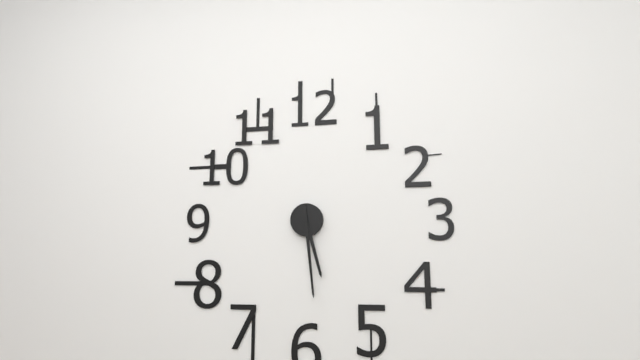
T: 5.29
